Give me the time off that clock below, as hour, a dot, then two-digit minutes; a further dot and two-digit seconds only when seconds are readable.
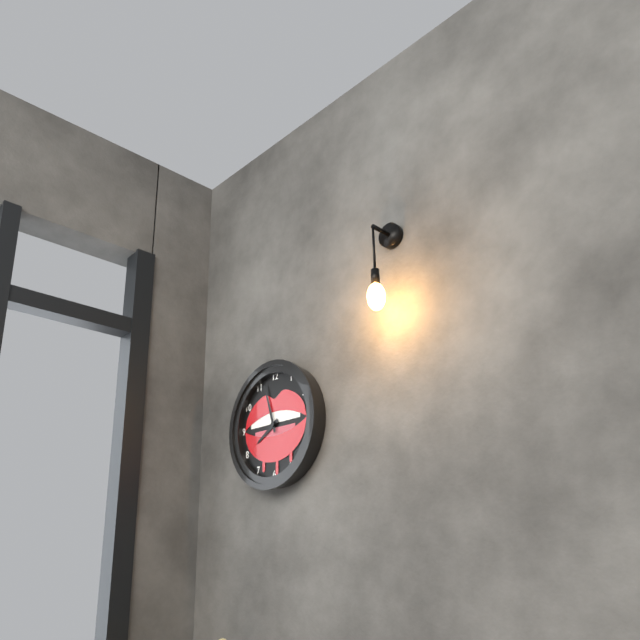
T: 7.57
